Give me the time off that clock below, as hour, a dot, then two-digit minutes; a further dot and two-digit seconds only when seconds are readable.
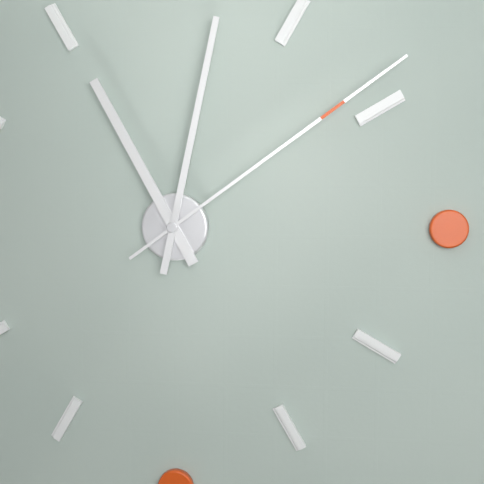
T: 11.02.09
